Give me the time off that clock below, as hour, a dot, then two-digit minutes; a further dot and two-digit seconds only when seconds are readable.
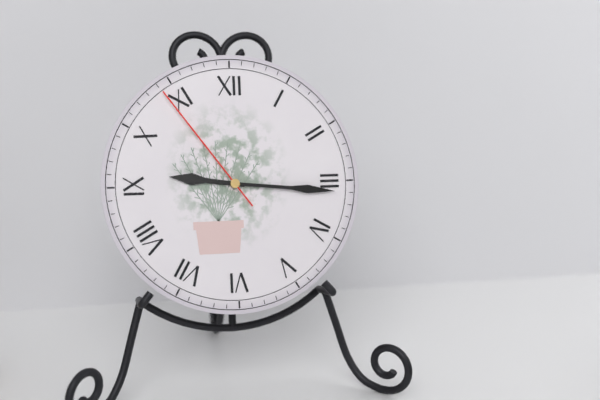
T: 9.16.54
